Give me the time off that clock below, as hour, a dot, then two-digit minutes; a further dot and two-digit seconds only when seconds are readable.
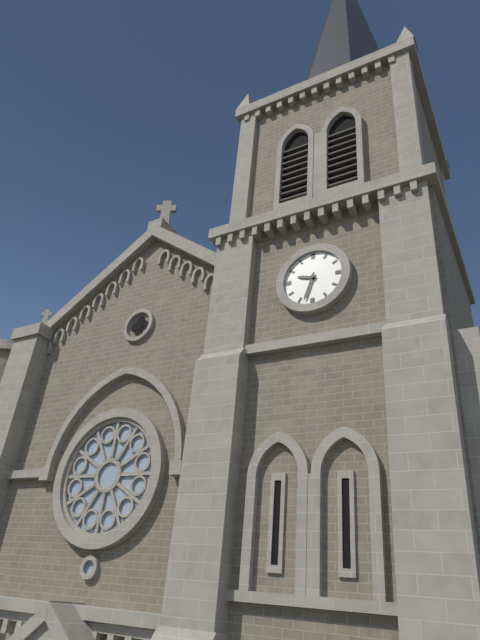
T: 9.33
